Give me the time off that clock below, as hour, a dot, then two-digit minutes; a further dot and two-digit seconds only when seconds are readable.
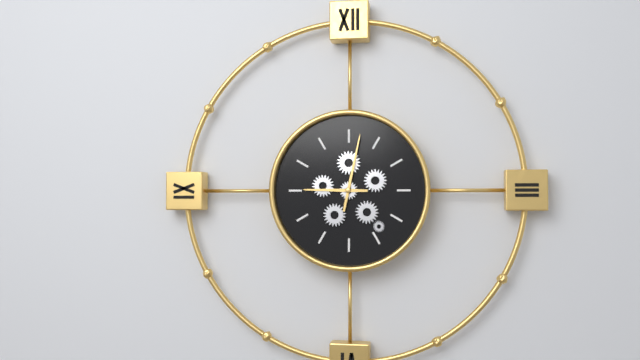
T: 9.02
